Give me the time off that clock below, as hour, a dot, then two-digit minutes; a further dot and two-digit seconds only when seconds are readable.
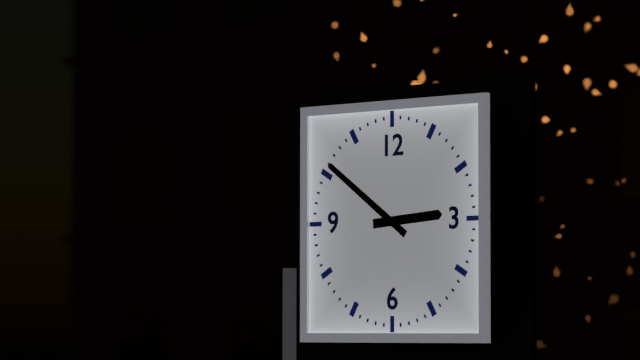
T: 2.51
